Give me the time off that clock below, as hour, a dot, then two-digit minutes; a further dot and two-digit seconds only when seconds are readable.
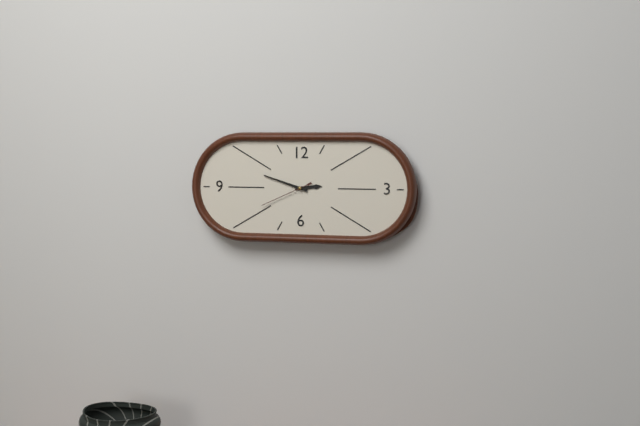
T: 2.48.41
